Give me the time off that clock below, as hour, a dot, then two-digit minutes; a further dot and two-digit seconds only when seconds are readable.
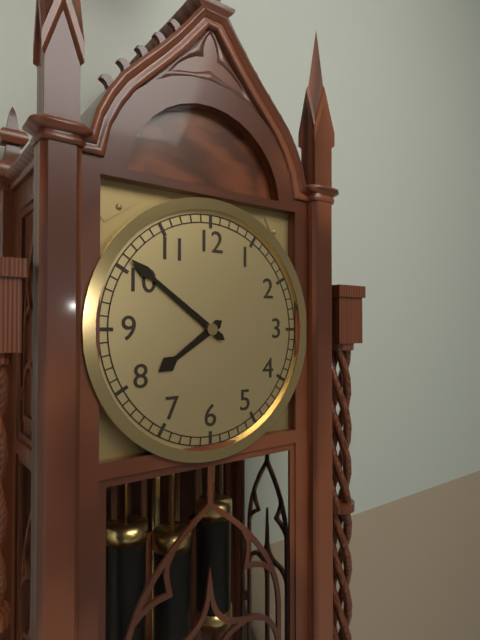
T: 7.51
